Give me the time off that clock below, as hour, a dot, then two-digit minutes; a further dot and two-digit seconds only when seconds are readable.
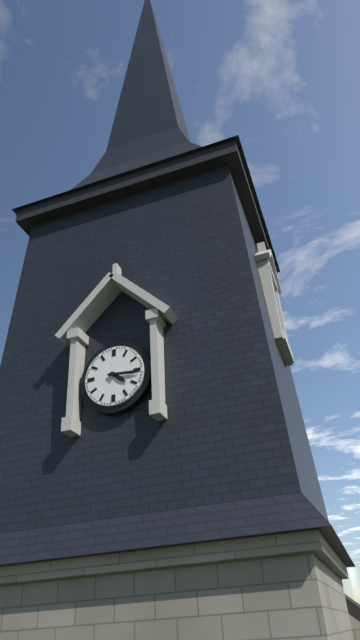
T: 4.16
